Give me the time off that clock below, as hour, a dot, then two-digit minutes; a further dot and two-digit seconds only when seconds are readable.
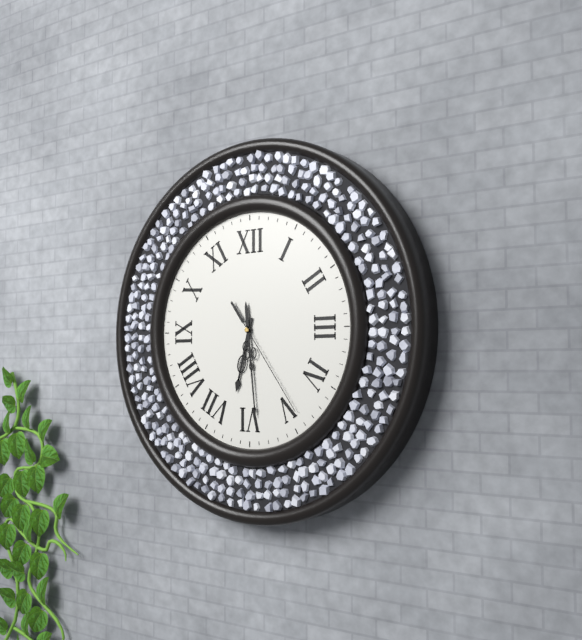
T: 6.29.24
